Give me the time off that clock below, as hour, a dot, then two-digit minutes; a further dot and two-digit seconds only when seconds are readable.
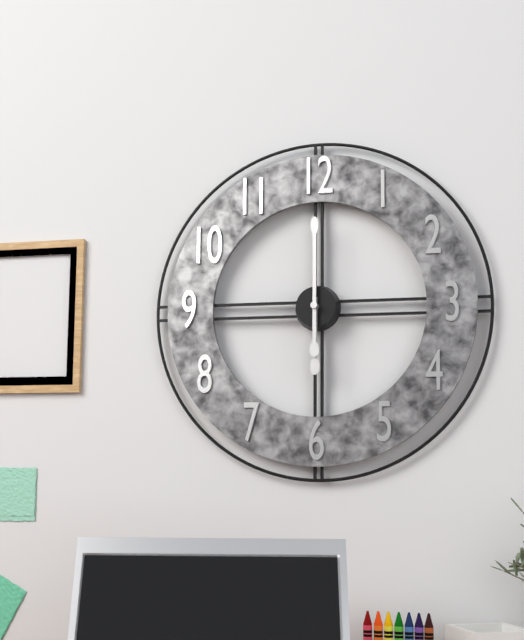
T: 6.00
